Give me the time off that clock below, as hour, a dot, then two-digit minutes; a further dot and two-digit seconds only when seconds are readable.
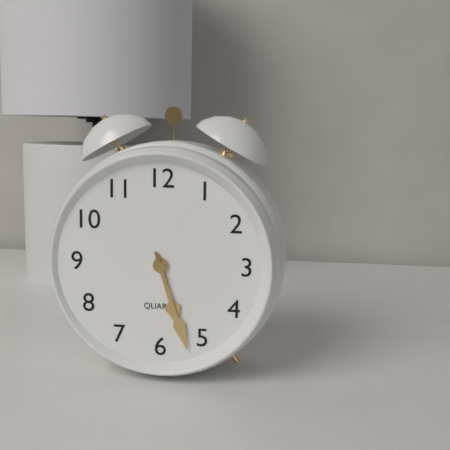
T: 5.27
